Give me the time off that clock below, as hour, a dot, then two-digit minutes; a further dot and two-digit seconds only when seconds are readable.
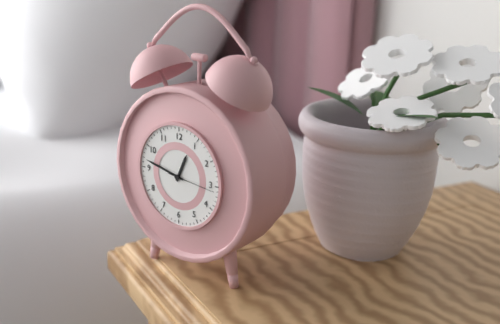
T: 12.47
